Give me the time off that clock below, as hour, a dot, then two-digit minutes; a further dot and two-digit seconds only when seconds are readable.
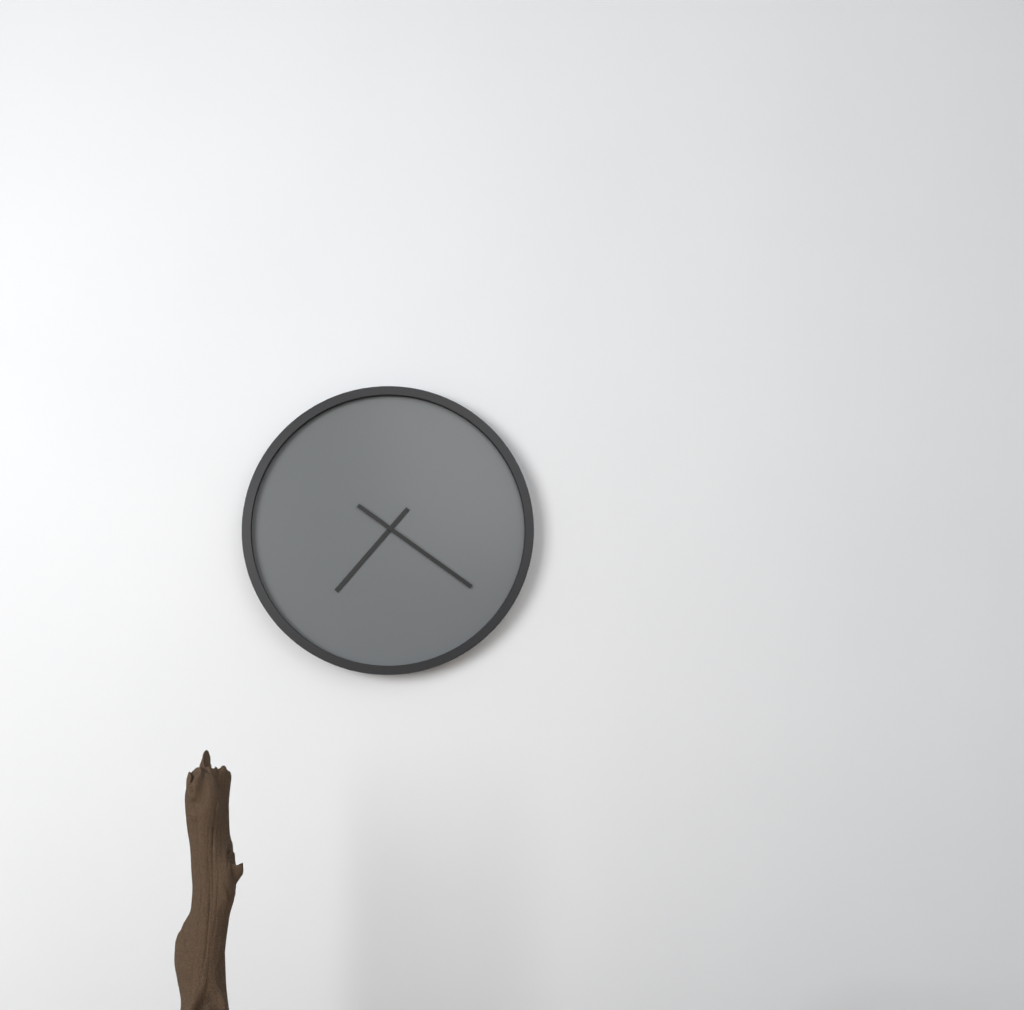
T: 7.21
